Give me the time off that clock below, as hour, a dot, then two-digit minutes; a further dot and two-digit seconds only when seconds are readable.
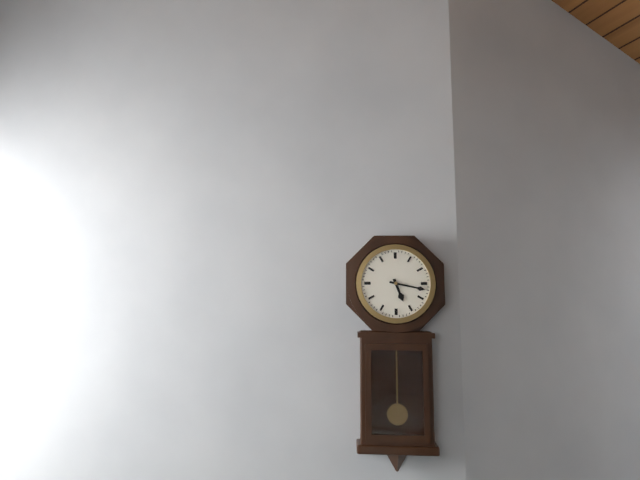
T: 5.17
